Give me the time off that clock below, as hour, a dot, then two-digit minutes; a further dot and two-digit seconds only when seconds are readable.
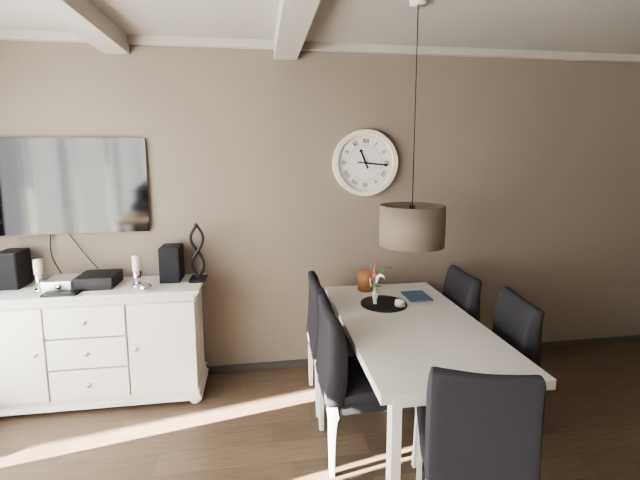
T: 11.16
